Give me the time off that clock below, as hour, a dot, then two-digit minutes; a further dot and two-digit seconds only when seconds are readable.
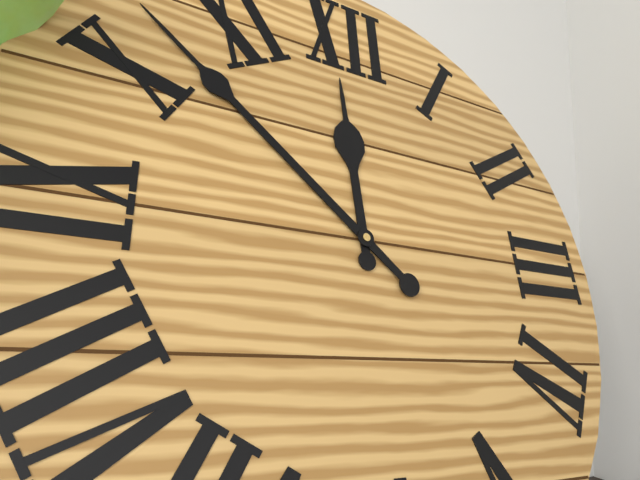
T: 11.52
